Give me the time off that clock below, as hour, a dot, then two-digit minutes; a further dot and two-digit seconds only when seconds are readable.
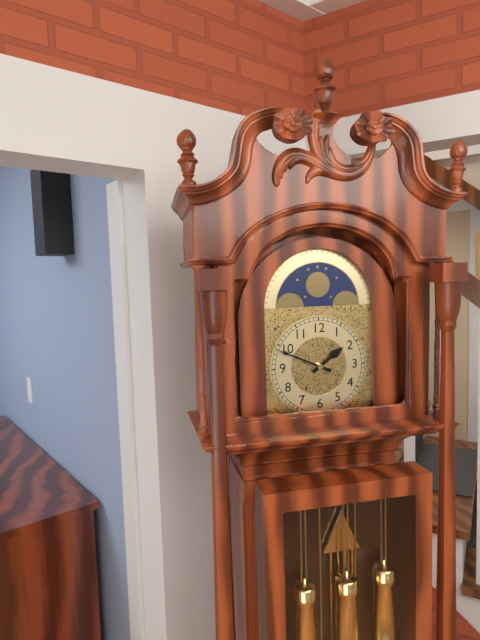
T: 1.49
